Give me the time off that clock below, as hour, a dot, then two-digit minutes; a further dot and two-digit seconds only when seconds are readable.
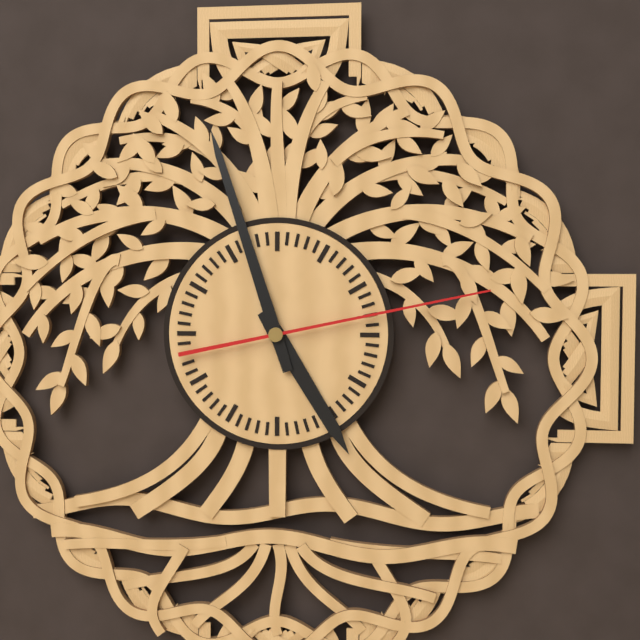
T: 4.57.13
